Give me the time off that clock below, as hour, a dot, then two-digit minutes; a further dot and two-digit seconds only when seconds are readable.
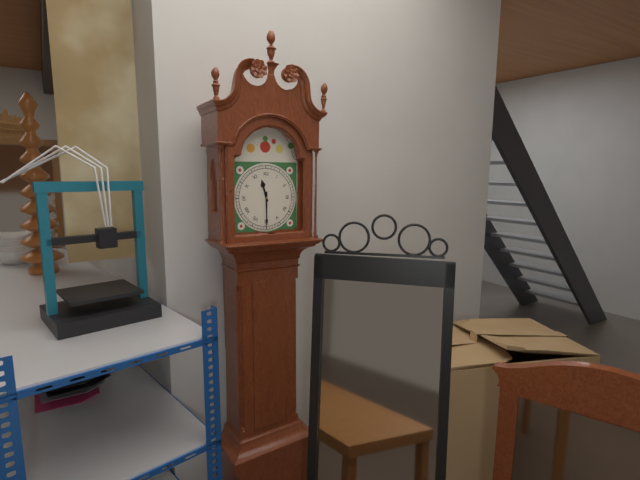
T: 11.30
